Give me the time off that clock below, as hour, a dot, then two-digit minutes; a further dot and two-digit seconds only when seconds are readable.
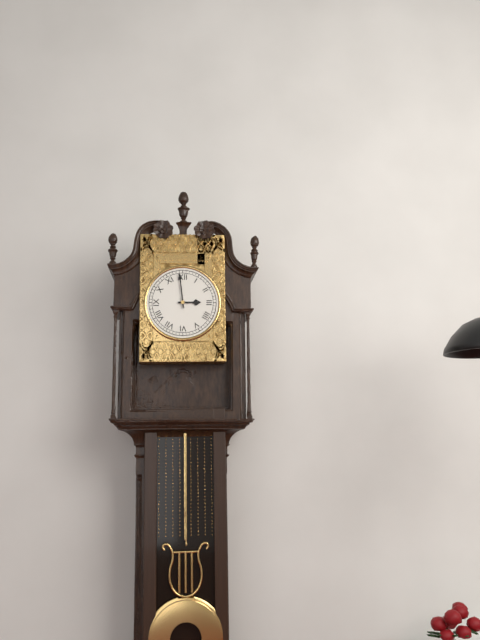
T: 2.59
